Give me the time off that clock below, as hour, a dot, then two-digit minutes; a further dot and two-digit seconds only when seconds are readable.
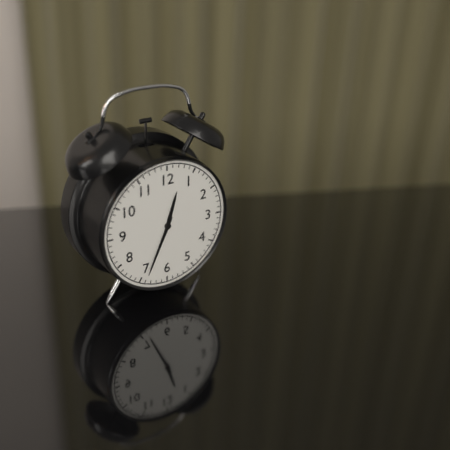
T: 12.34
